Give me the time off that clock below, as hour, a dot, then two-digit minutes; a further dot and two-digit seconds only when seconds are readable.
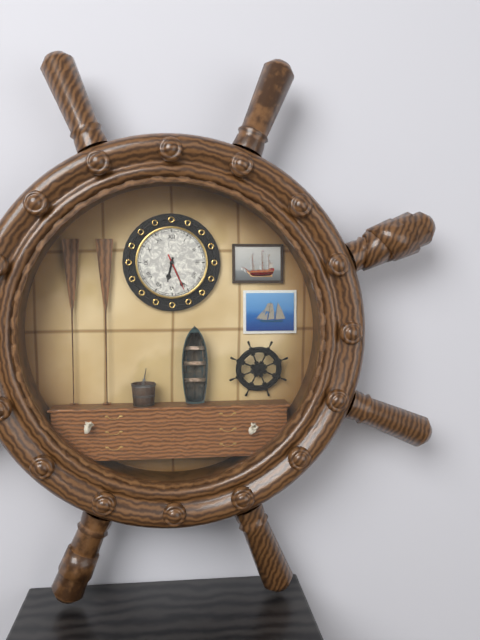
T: 6.26
